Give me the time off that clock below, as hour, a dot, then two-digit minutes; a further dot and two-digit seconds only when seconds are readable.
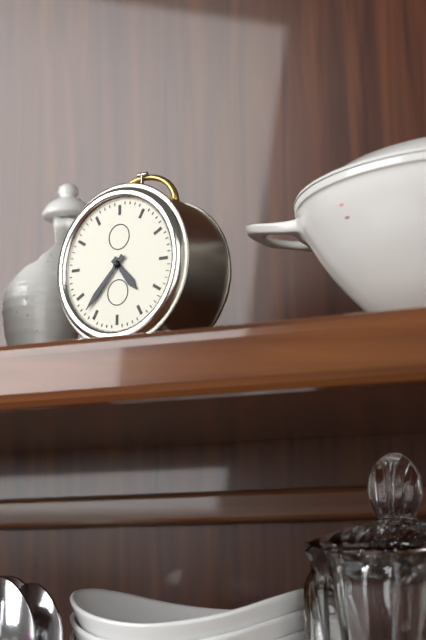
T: 4.37
